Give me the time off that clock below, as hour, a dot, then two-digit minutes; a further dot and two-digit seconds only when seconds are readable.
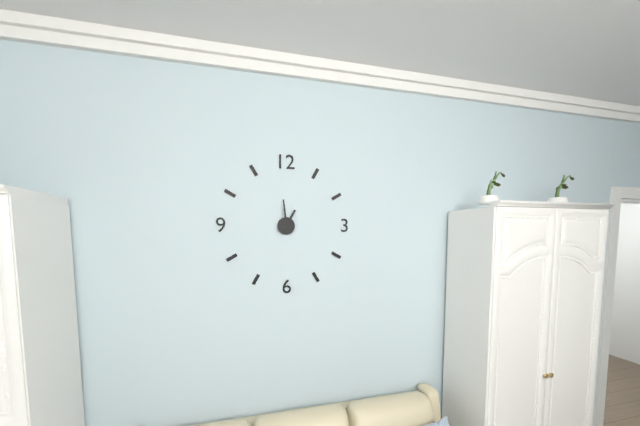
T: 12.59
